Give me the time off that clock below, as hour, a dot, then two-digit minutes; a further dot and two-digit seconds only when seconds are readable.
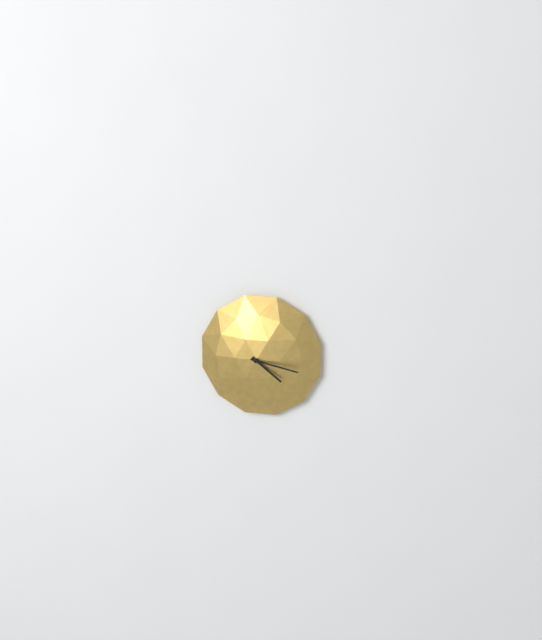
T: 4.17
